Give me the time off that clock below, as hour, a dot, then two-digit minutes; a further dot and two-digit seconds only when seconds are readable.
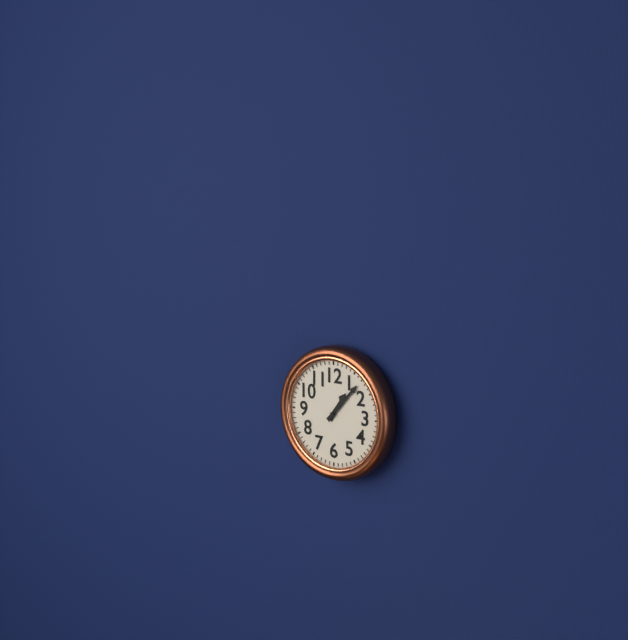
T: 1.07
